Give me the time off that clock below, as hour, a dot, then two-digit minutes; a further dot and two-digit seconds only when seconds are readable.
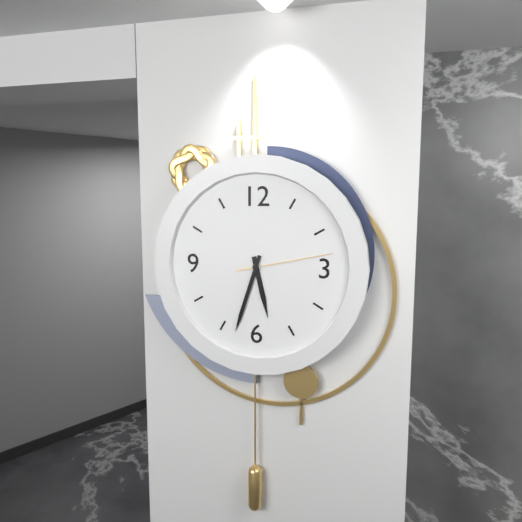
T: 5.33.13
